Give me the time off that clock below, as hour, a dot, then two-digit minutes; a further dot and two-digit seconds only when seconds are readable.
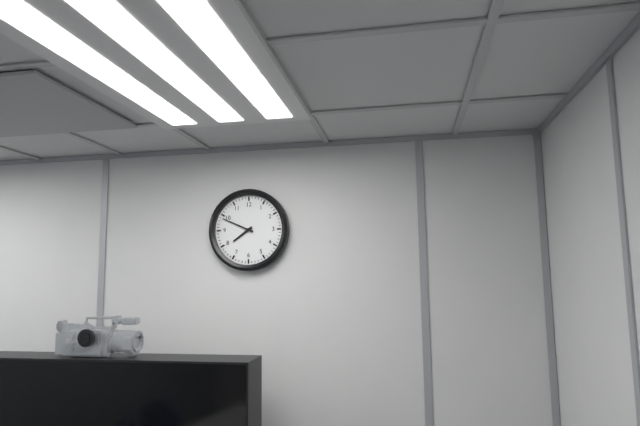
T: 7.49
